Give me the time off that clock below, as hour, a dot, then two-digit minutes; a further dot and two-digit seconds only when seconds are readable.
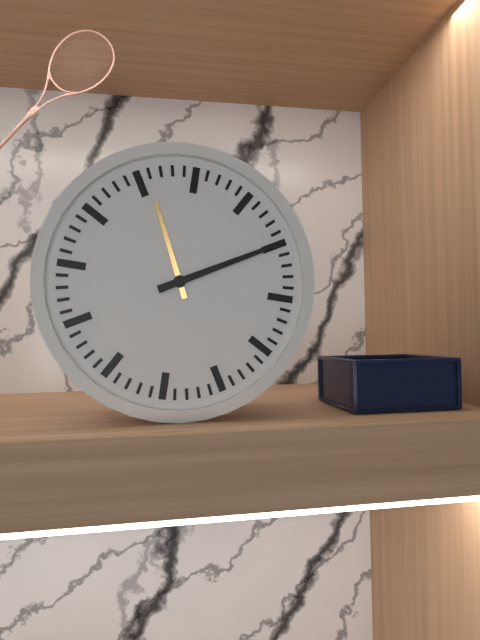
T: 11.10
